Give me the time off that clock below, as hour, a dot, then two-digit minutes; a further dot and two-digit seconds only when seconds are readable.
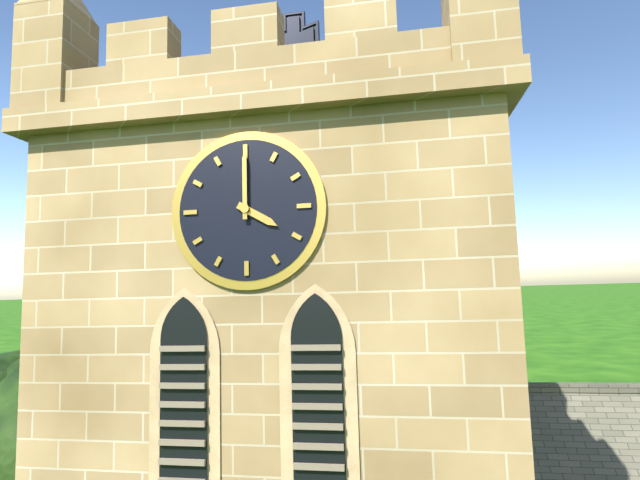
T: 4.00
